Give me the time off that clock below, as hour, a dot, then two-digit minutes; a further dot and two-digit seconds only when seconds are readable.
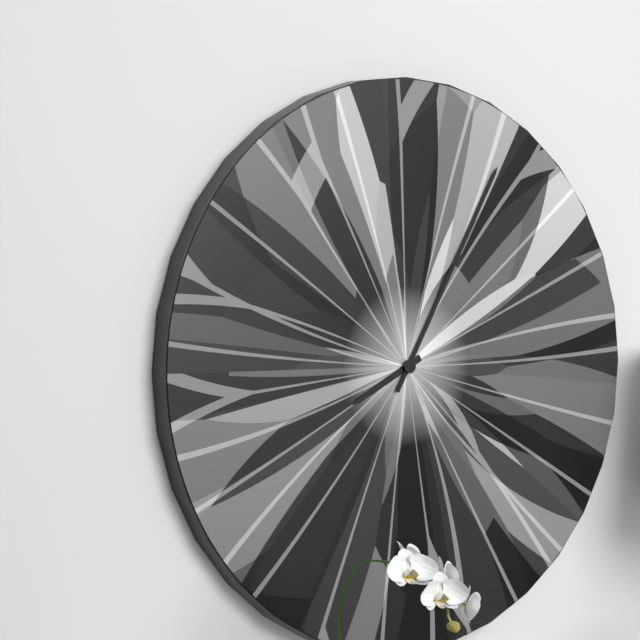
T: 8.05
